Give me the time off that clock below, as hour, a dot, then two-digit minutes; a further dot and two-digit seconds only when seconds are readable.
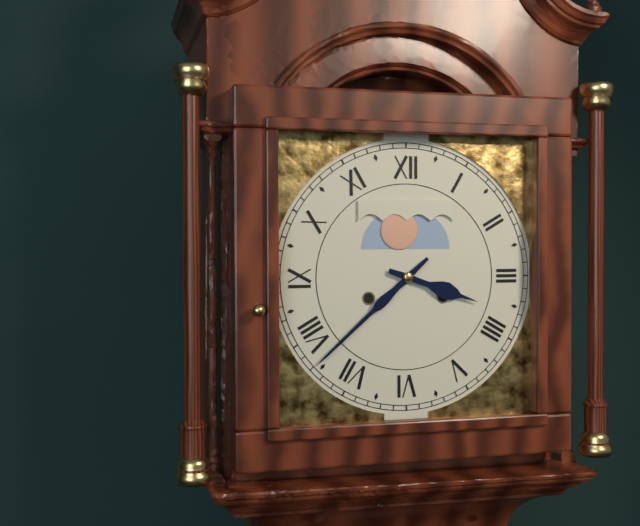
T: 3.38
